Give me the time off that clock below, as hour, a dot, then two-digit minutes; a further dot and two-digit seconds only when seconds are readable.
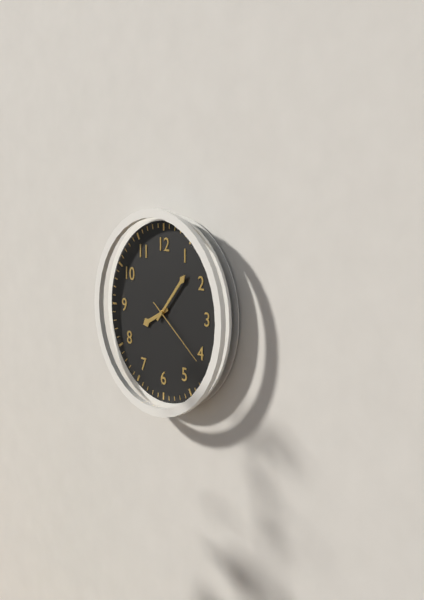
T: 8.07.21
